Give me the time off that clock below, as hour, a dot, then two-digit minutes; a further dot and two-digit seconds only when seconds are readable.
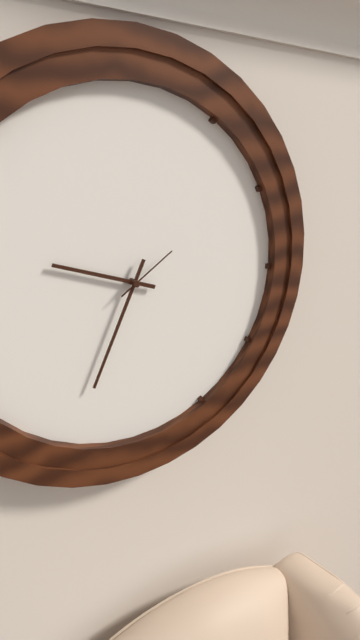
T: 9.34.09
